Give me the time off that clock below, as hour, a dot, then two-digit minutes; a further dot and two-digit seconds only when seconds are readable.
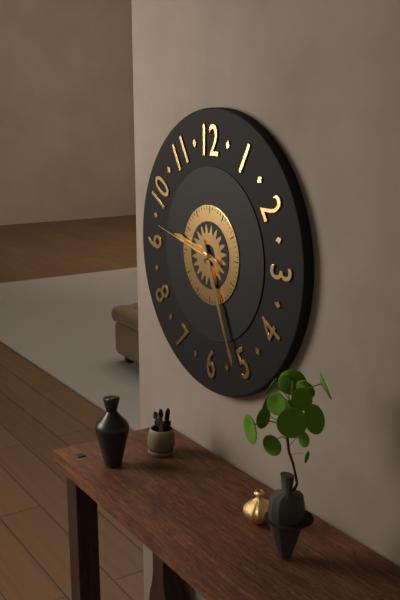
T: 9.26.47
